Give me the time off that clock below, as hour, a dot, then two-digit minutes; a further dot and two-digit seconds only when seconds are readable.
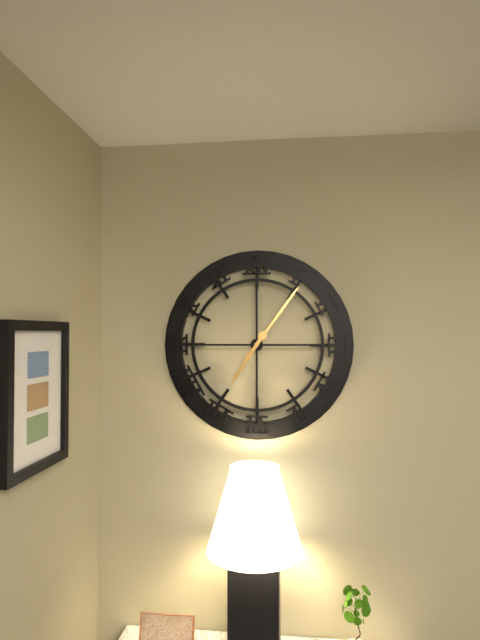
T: 7.06
